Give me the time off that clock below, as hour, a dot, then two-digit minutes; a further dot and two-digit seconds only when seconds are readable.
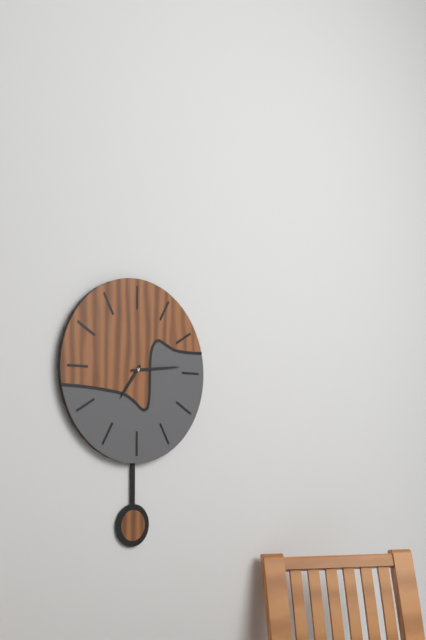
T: 7.14
